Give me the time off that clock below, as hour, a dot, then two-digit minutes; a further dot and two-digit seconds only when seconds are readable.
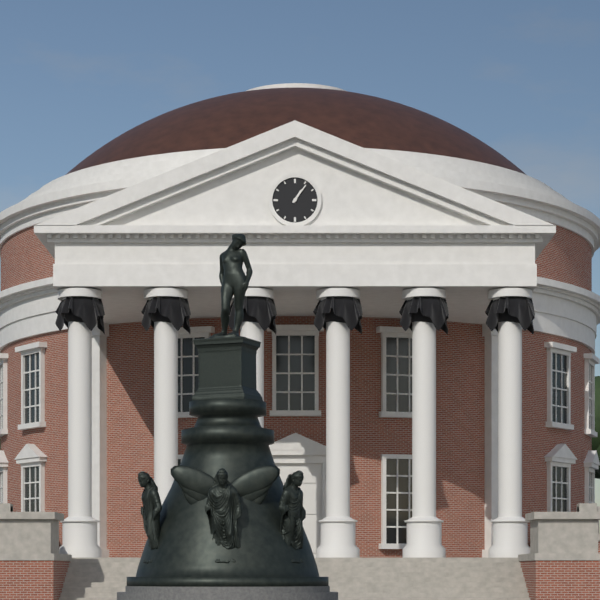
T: 1.06
